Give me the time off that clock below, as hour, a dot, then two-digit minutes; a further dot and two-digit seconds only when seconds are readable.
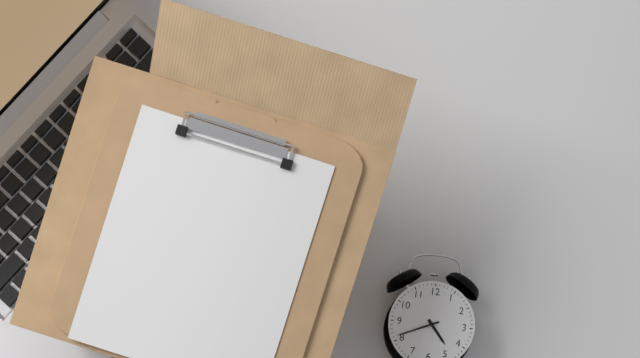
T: 4.41
